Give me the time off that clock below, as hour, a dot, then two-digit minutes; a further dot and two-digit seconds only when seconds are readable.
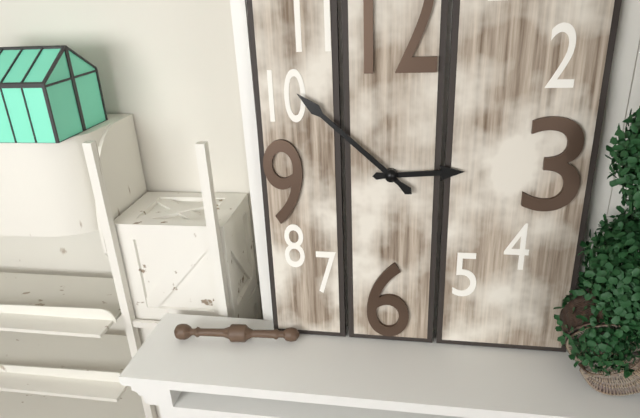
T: 2.52
